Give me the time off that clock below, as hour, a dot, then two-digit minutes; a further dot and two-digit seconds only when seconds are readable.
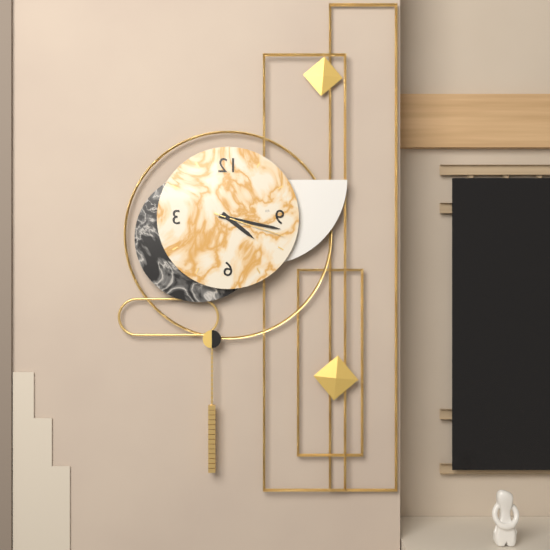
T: 4.17.18
